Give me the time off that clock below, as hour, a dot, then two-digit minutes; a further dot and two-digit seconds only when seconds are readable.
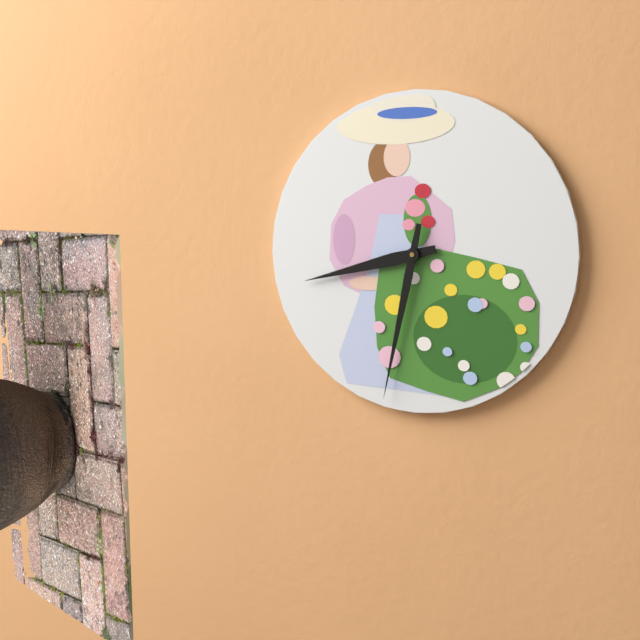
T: 8.32
